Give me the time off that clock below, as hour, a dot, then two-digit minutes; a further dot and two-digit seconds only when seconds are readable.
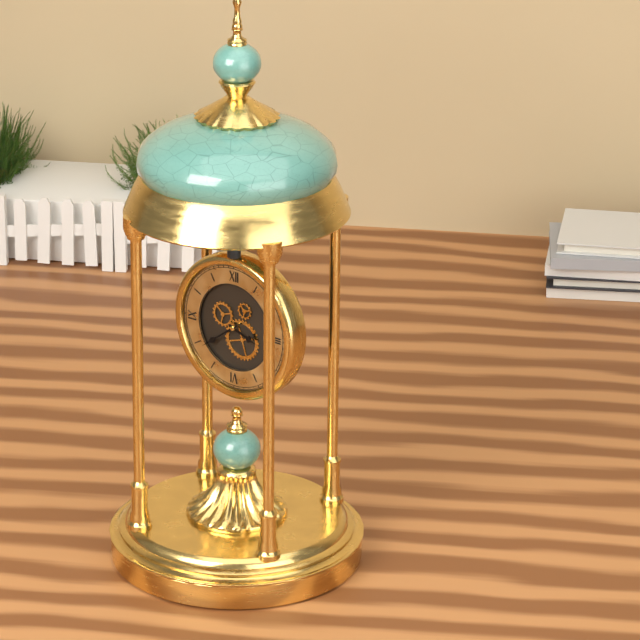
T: 3.39
